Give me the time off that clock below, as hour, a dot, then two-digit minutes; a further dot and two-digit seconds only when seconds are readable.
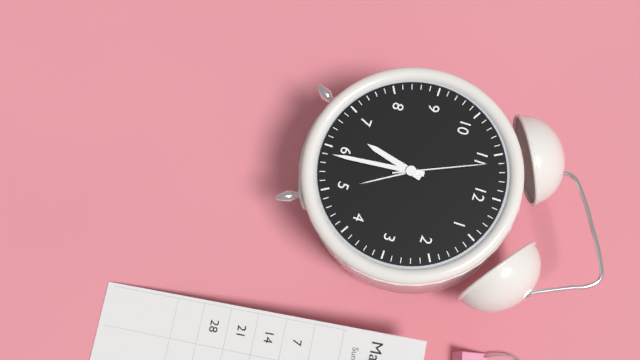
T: 6.29.56
